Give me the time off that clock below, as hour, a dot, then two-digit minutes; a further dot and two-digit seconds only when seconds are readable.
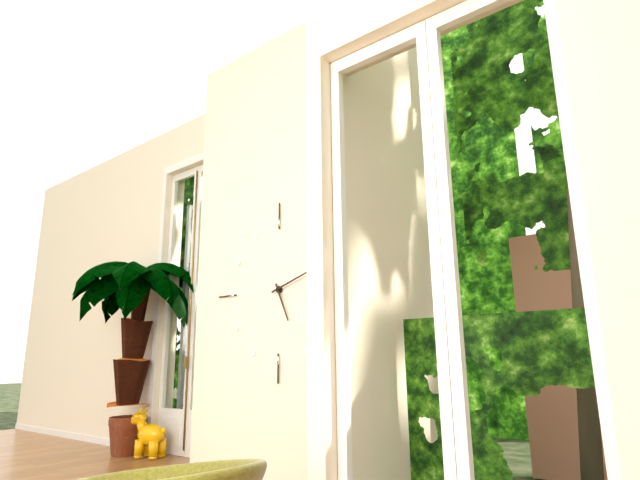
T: 5.12
